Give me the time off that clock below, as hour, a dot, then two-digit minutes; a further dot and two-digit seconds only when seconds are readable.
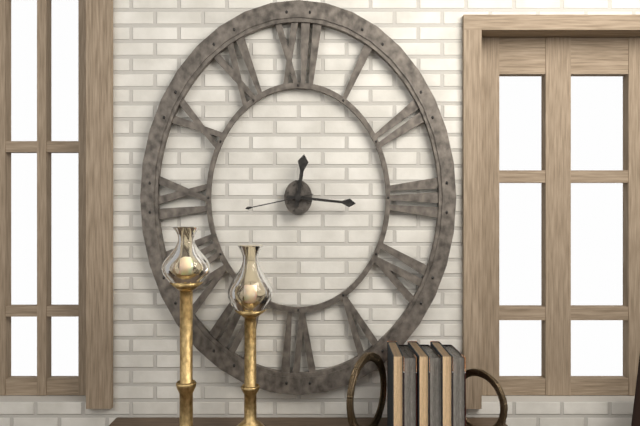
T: 12.16.43
